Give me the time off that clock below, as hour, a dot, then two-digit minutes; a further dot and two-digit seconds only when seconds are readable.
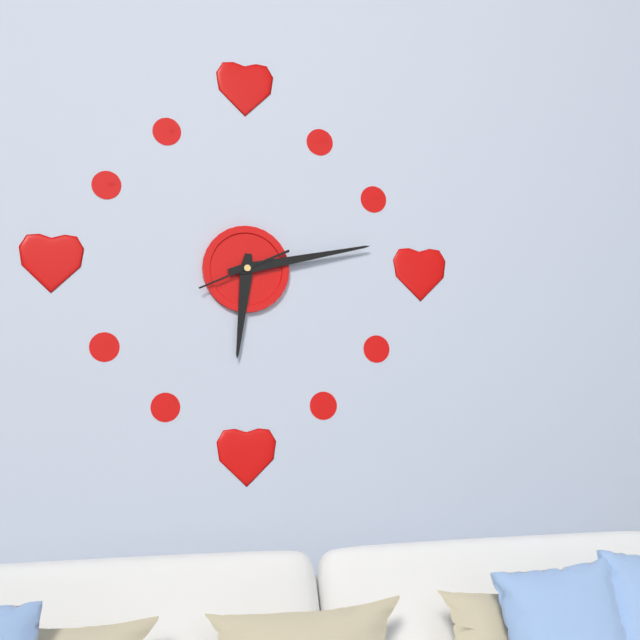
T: 6.13.41
